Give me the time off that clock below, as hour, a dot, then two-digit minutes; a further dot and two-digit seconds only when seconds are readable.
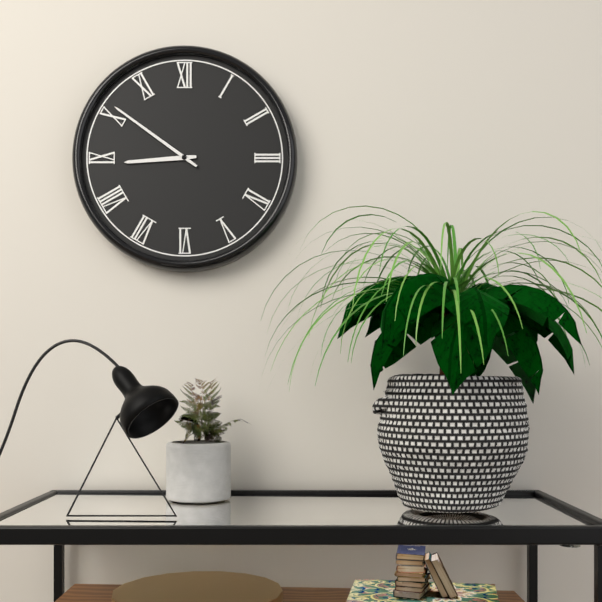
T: 8.51
